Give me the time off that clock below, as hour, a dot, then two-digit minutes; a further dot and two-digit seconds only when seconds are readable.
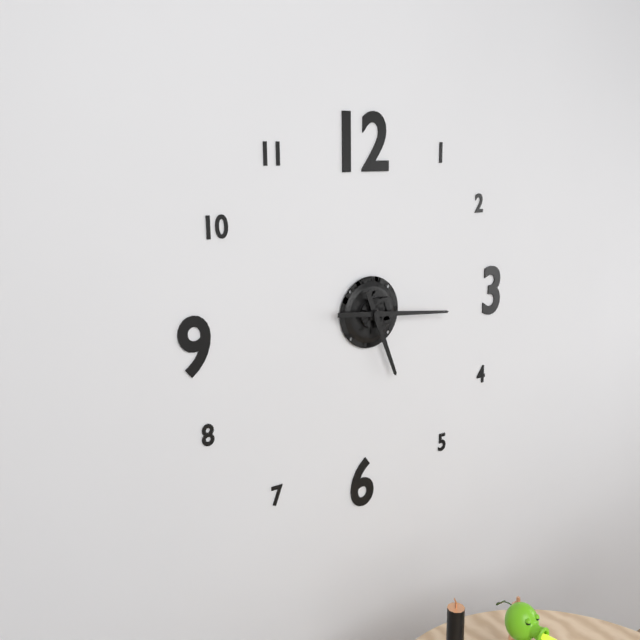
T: 5.16
